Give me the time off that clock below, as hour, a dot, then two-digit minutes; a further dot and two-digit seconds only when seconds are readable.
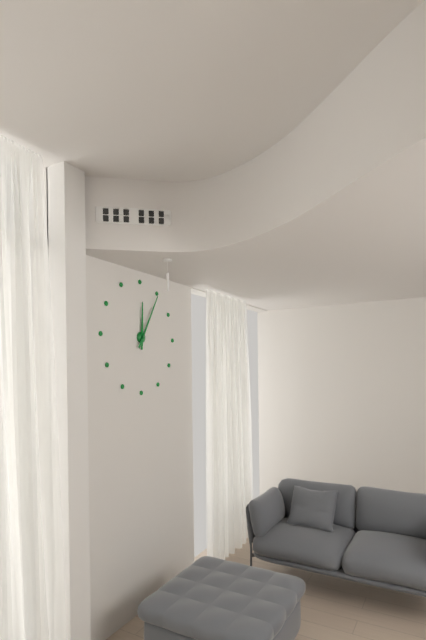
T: 12.05
